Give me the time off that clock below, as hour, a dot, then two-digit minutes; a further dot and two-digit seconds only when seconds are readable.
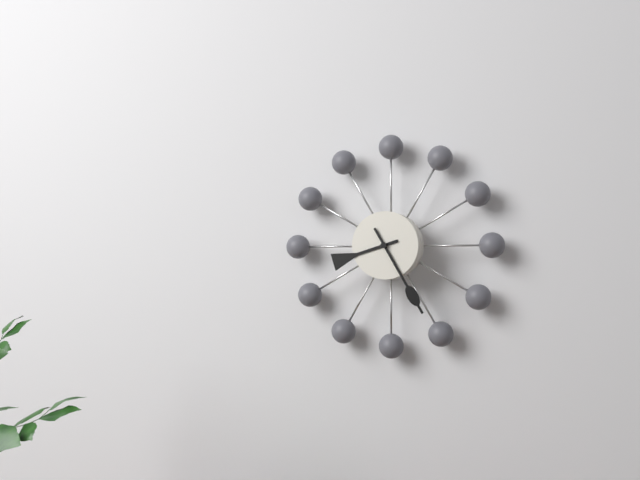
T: 8.25
